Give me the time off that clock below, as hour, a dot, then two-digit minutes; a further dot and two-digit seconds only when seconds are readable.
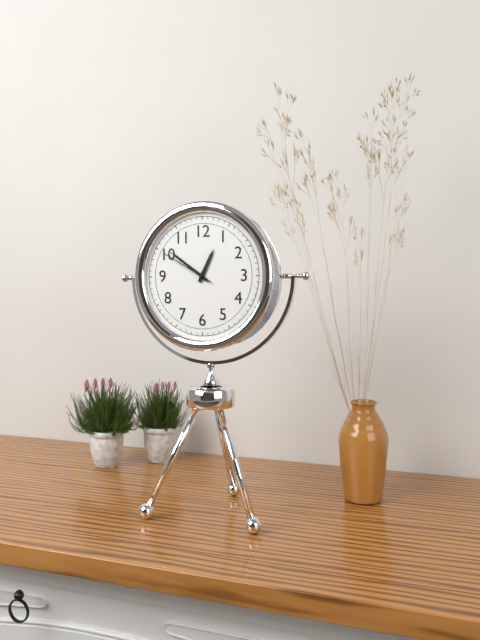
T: 12.51.50
